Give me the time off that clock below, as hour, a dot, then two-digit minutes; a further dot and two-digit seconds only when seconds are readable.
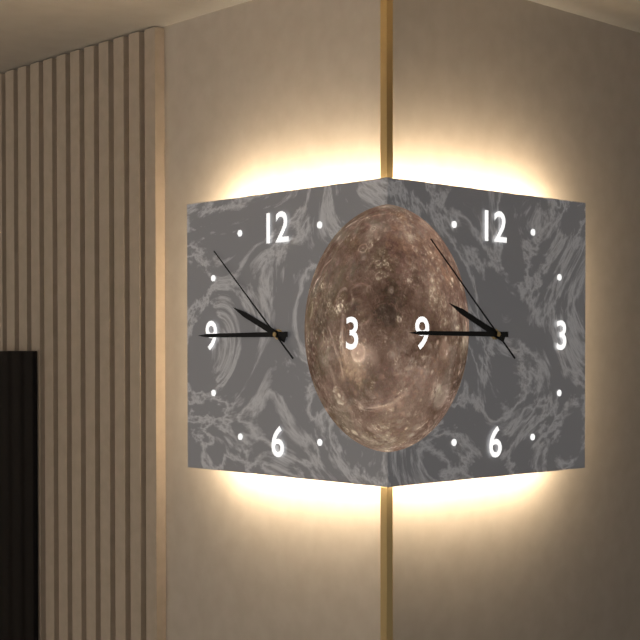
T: 9.45.52
